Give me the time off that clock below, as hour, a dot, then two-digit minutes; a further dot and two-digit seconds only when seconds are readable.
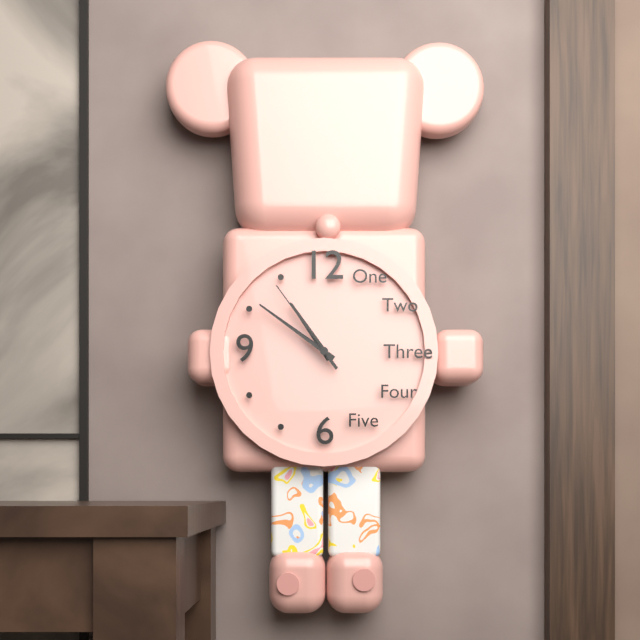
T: 10.51.54
